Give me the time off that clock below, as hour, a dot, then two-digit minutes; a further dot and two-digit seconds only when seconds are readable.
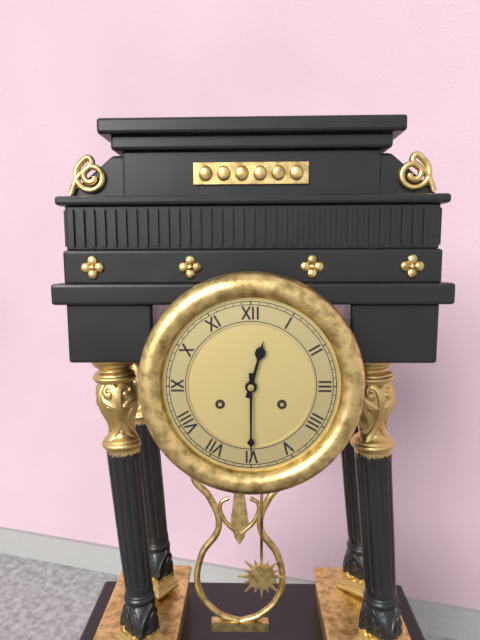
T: 12.30
